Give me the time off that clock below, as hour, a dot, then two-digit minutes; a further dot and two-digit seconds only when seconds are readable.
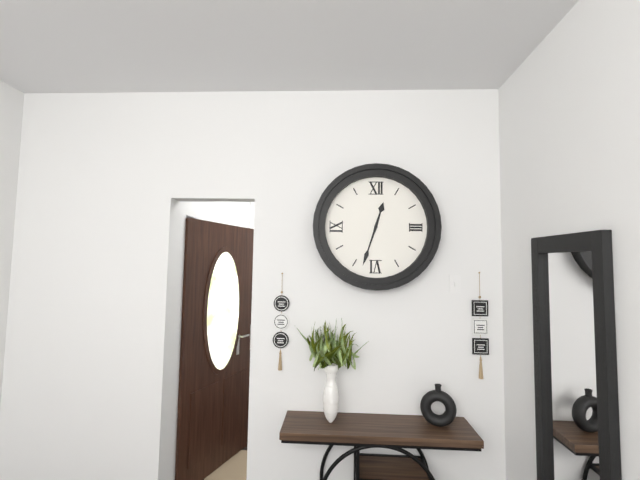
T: 12.33
